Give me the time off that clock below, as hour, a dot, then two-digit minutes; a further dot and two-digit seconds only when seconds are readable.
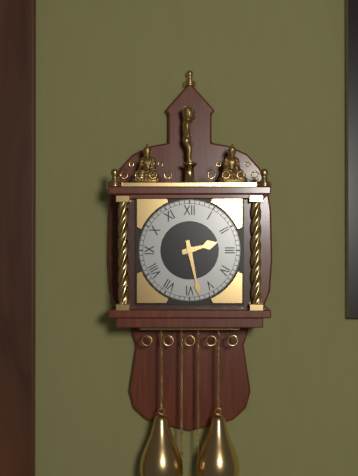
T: 2.28
